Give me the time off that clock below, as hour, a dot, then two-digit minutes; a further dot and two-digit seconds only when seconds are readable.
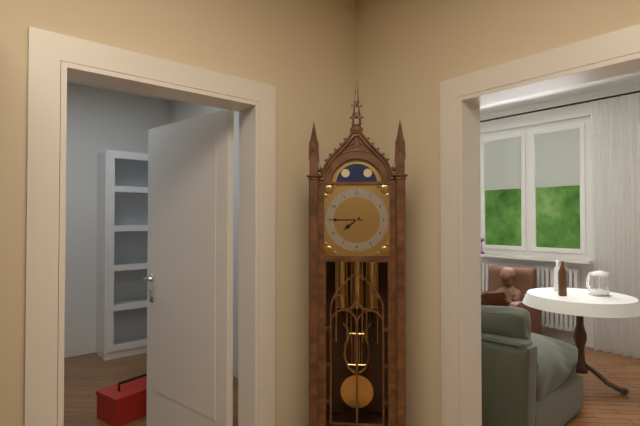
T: 7.45
